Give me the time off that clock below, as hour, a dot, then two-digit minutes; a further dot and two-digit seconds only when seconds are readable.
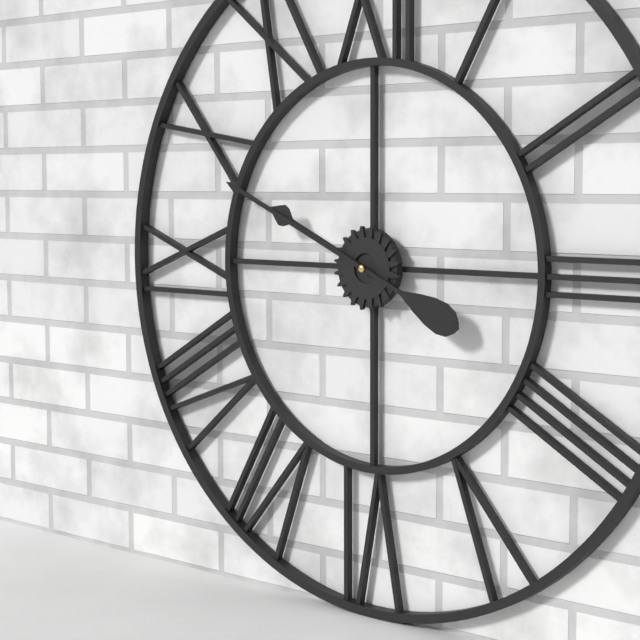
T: 9.49
